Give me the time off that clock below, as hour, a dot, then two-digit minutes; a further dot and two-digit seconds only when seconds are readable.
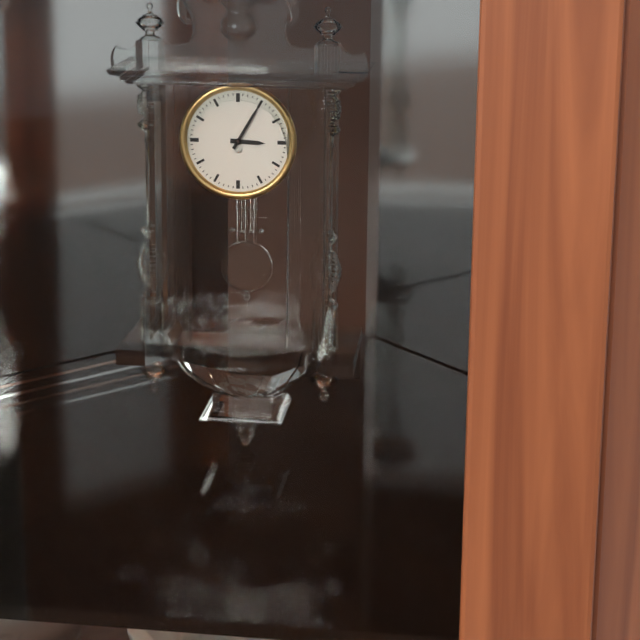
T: 3.05
